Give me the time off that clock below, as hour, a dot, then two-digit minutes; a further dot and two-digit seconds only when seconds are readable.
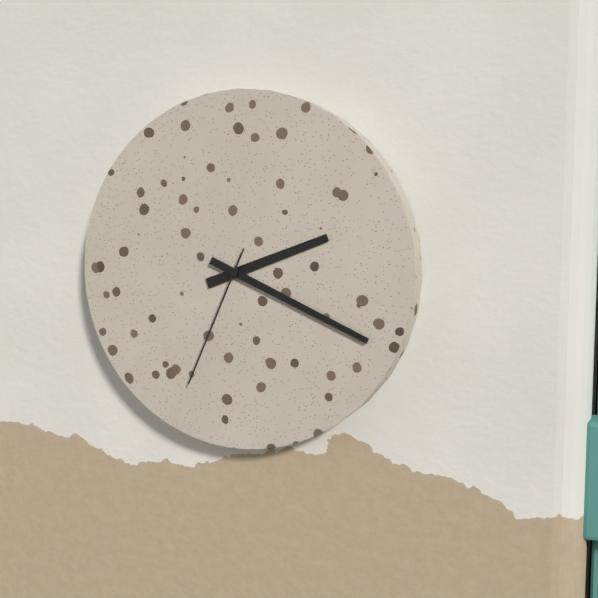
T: 2.19.34
